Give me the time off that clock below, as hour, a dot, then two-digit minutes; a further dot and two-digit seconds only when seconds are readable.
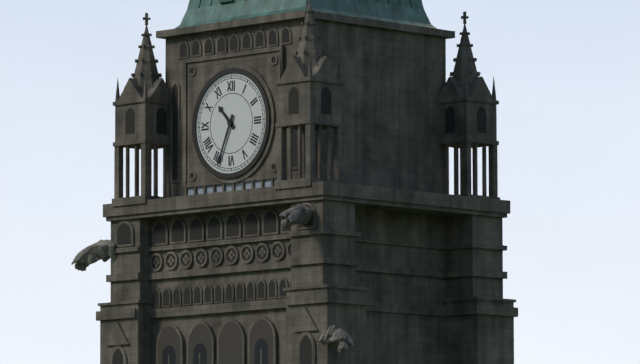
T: 10.34
